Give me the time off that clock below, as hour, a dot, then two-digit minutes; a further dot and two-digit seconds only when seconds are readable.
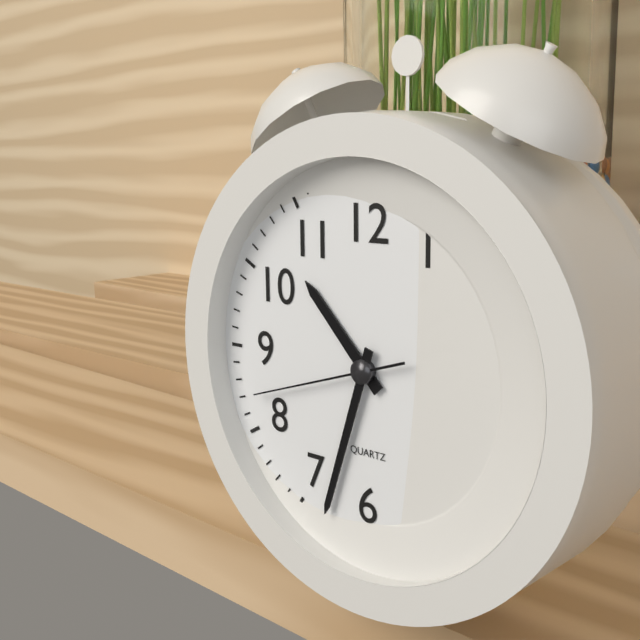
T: 10.33.42
